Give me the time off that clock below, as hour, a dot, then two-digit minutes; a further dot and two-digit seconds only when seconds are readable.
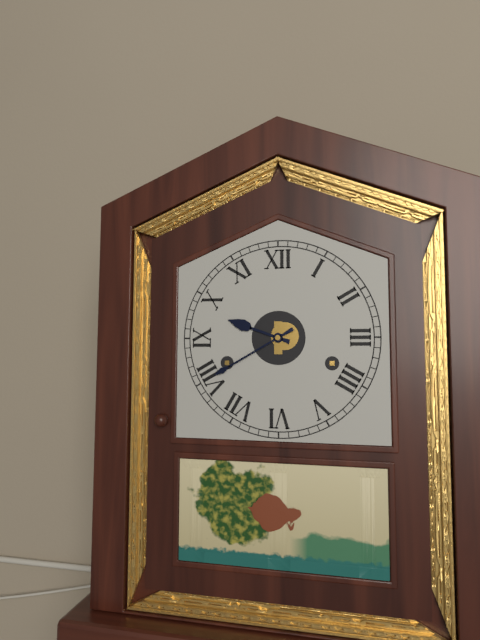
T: 9.40
